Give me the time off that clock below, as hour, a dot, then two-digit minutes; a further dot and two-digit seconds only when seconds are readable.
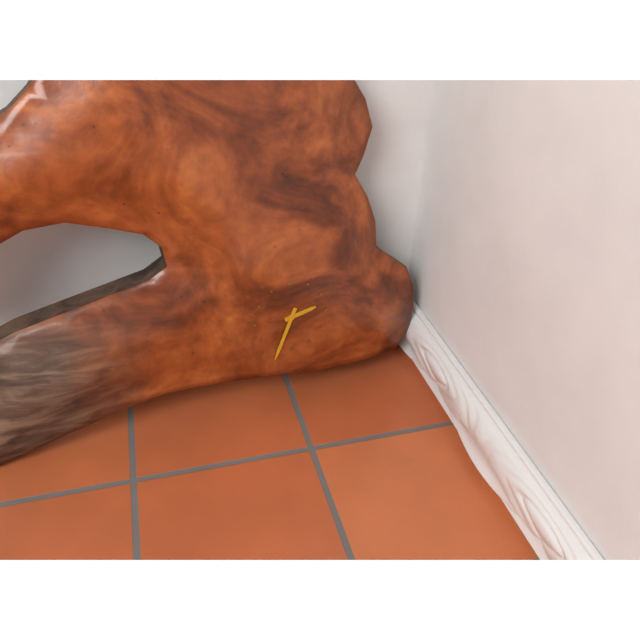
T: 2.34
